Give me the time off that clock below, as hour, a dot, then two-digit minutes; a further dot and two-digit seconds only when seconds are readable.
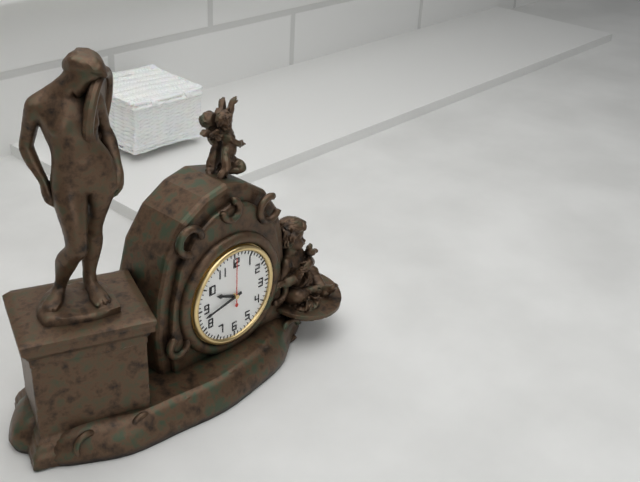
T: 9.43
